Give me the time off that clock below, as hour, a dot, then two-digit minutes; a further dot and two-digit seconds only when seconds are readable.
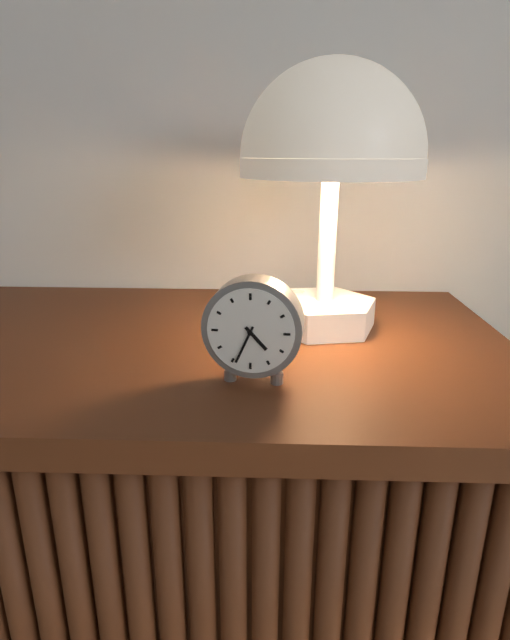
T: 4.34
